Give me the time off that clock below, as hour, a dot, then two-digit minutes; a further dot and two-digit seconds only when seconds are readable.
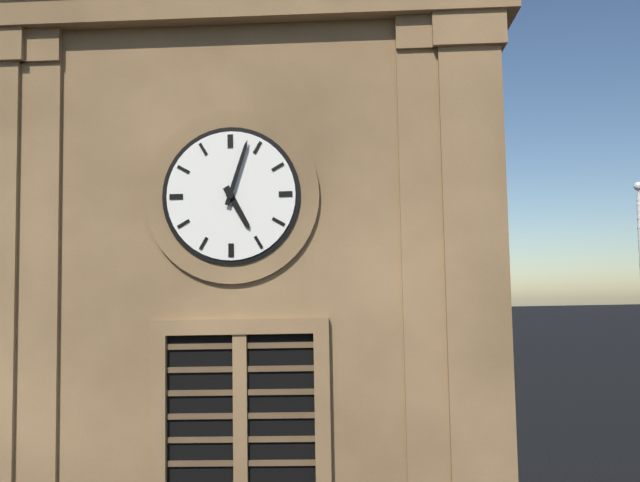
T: 5.03
